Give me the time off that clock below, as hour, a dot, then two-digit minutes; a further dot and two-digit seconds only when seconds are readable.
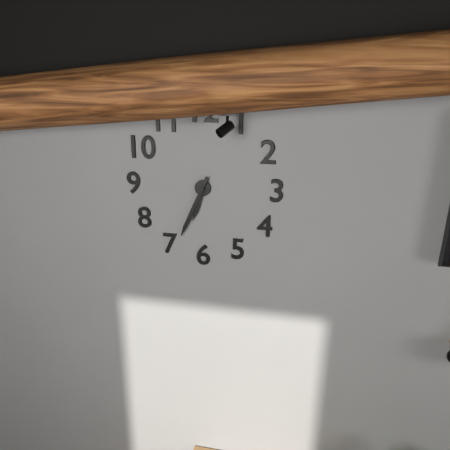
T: 6.34
